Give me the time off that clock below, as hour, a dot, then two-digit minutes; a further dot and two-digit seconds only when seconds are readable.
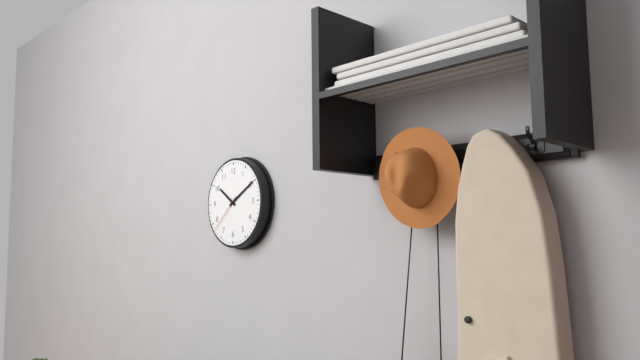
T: 10.10
